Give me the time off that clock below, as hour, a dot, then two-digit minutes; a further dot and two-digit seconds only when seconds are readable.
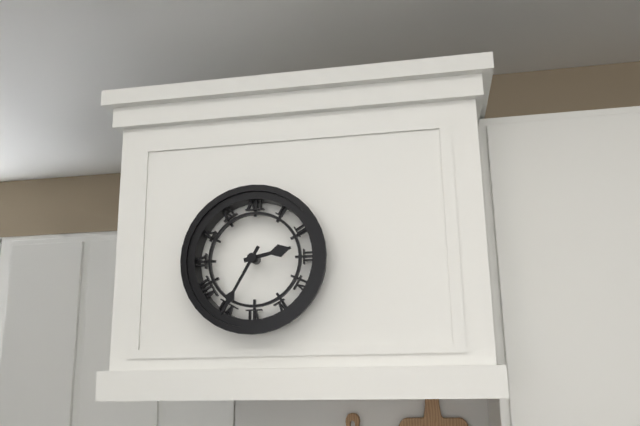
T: 2.35
